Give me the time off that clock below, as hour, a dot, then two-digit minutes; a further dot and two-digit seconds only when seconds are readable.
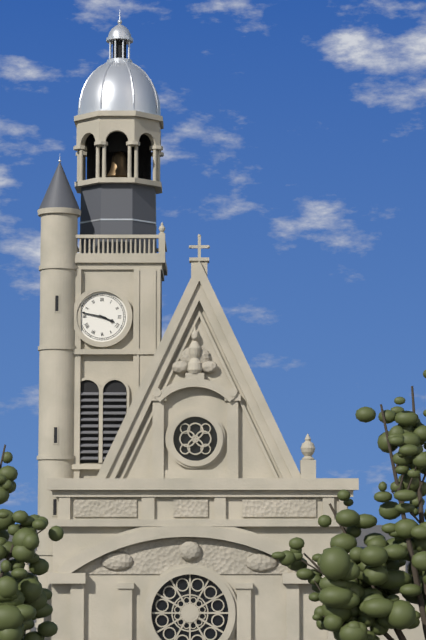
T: 3.47
